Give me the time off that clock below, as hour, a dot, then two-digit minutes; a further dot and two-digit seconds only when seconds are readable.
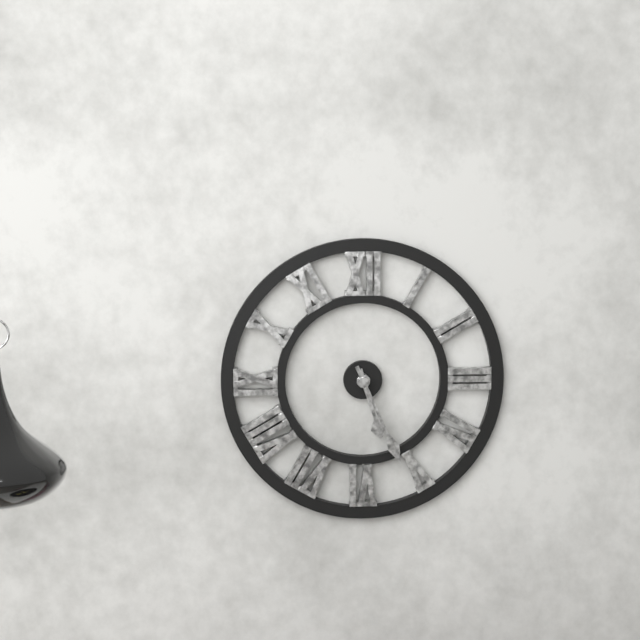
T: 5.26
